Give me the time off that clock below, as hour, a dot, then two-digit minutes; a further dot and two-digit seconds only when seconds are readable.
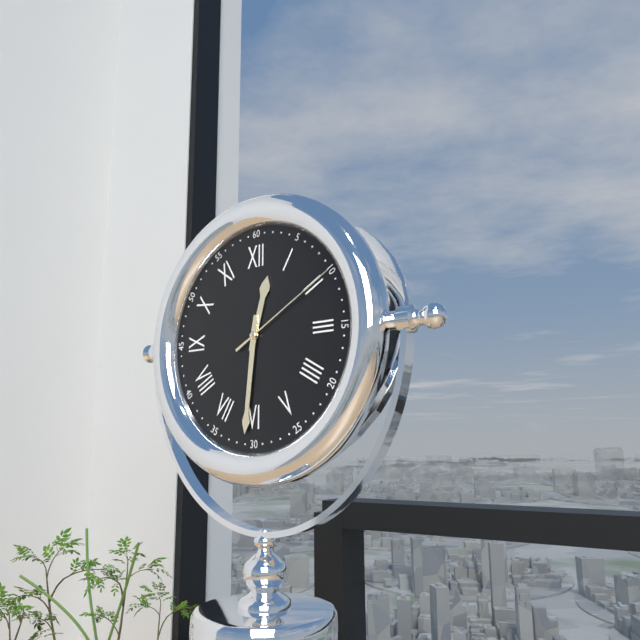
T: 12.31.10
